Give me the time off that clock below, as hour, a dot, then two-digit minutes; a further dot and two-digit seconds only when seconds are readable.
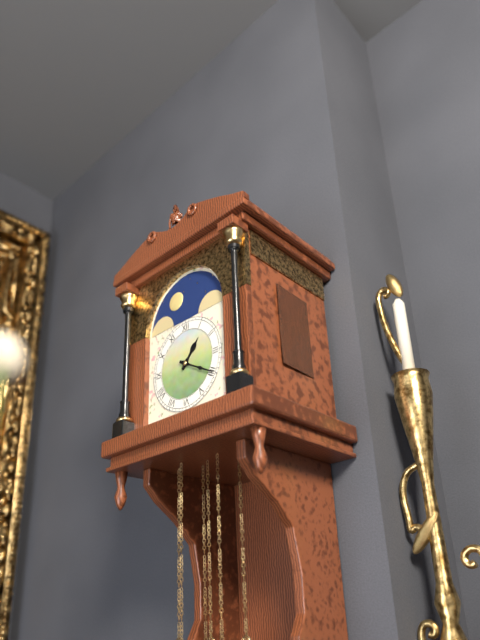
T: 1.20
